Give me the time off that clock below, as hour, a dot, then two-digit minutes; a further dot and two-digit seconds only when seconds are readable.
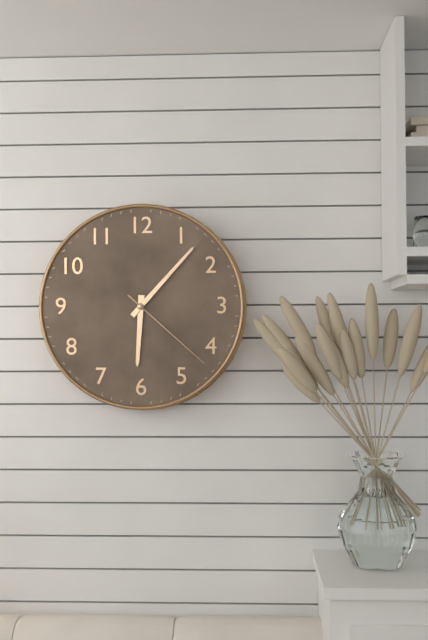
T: 6.07.22
